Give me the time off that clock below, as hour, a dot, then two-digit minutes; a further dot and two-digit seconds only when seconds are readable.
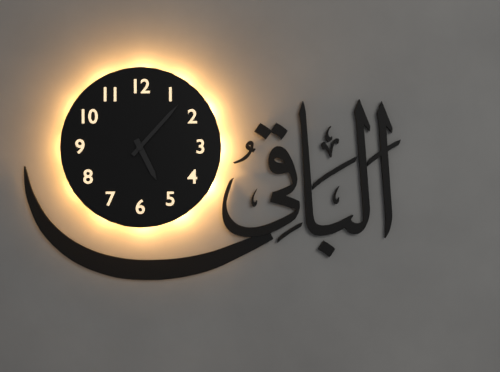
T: 5.07
